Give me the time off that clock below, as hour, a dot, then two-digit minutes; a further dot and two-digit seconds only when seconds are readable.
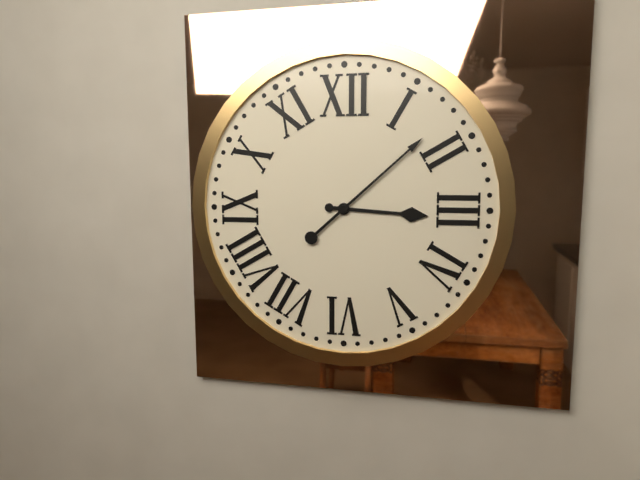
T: 3.08
